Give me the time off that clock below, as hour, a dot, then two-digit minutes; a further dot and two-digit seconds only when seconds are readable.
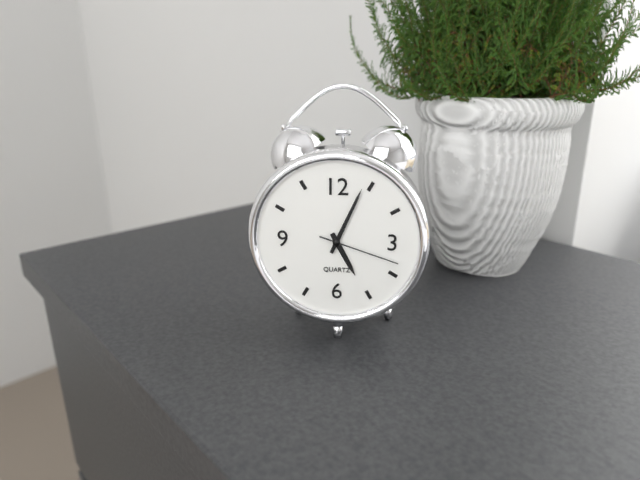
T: 5.04.18
